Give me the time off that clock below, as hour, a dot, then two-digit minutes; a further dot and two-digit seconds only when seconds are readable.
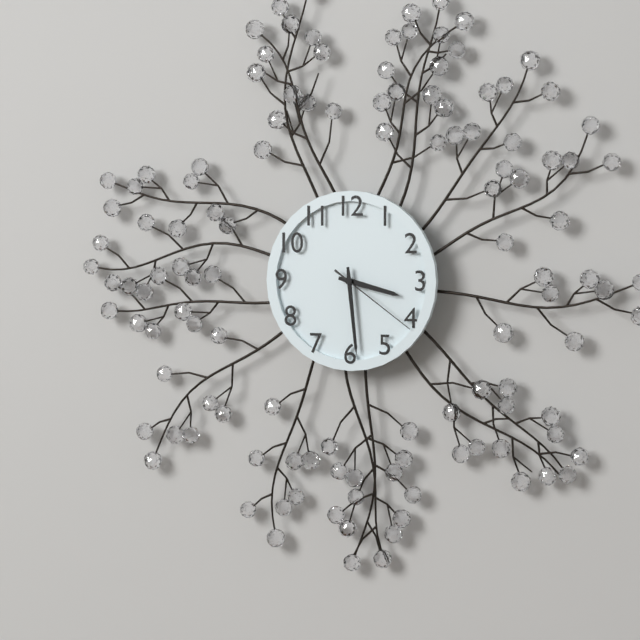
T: 3.29.21
